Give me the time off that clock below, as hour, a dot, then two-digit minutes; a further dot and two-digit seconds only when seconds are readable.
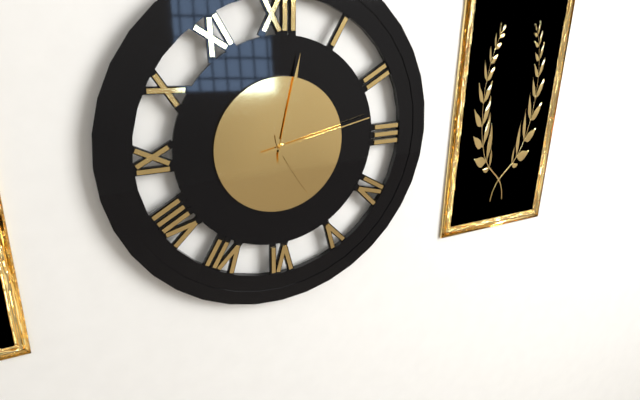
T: 5.02.13
